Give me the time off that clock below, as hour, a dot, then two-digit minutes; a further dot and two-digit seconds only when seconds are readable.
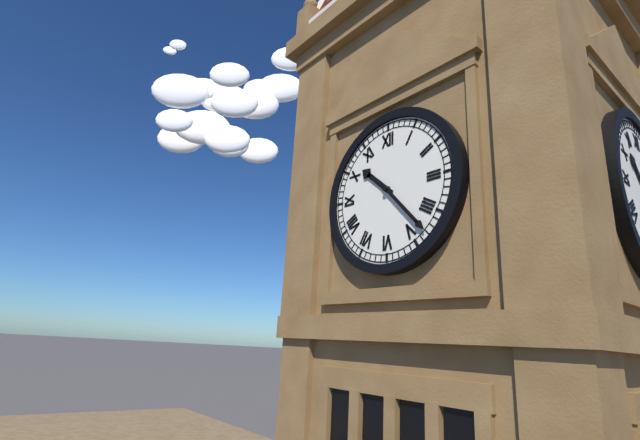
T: 10.23
